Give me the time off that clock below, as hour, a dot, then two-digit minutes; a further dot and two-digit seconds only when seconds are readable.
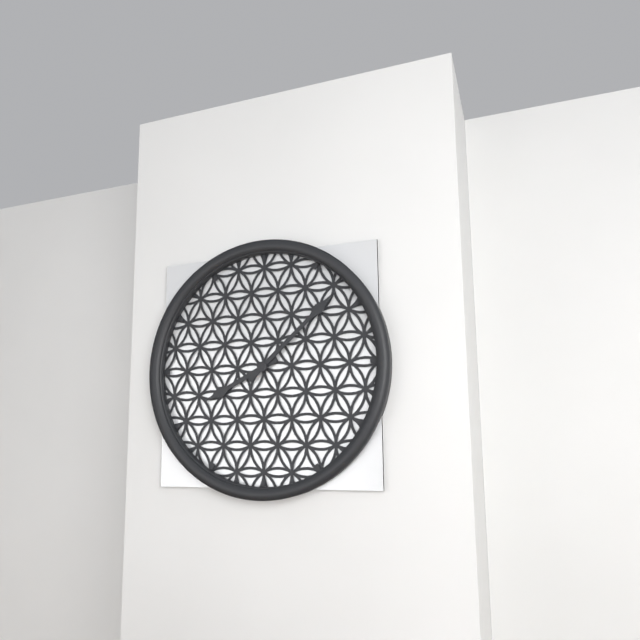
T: 8.08
